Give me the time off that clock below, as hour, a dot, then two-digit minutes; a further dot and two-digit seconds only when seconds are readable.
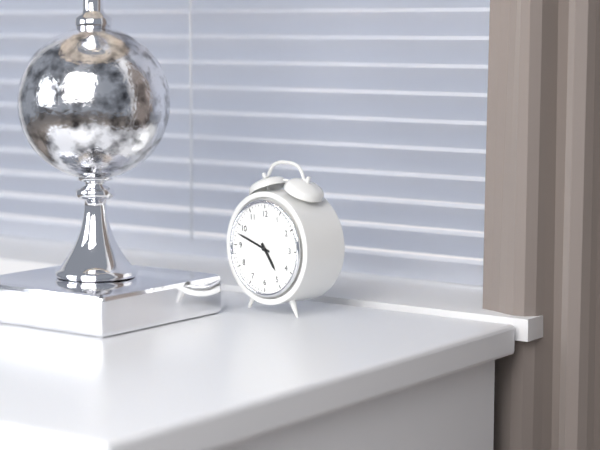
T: 4.48
